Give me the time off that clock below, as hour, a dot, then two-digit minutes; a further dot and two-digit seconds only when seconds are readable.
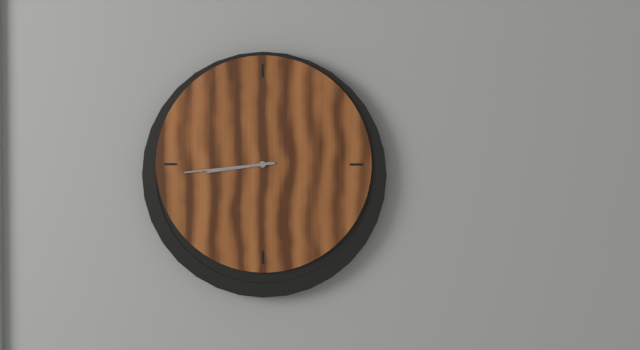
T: 8.44
